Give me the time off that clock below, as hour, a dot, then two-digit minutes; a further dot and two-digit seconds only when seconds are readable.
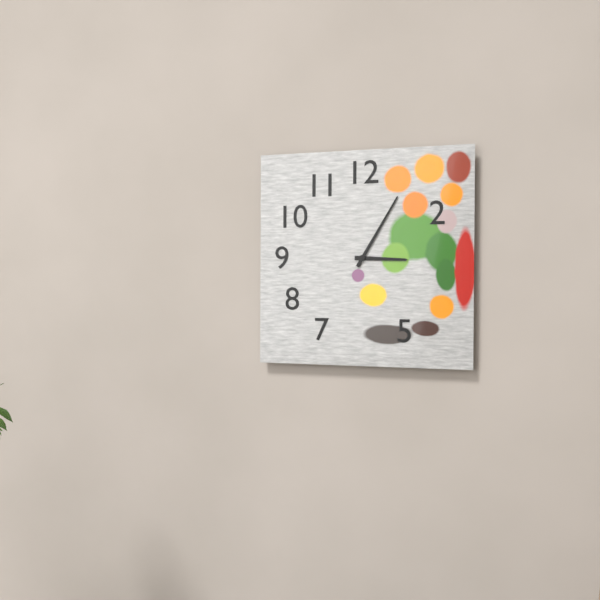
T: 3.05
